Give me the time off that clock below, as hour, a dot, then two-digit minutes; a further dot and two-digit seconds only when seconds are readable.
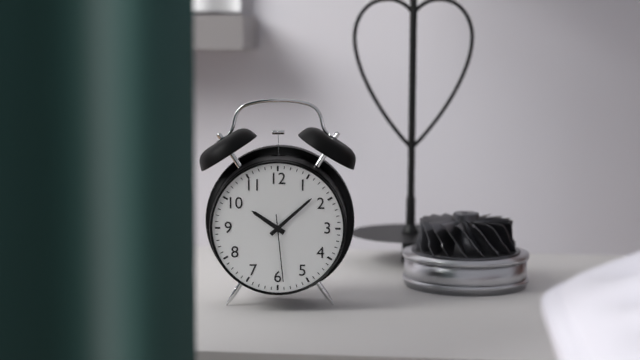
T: 10.08.29
